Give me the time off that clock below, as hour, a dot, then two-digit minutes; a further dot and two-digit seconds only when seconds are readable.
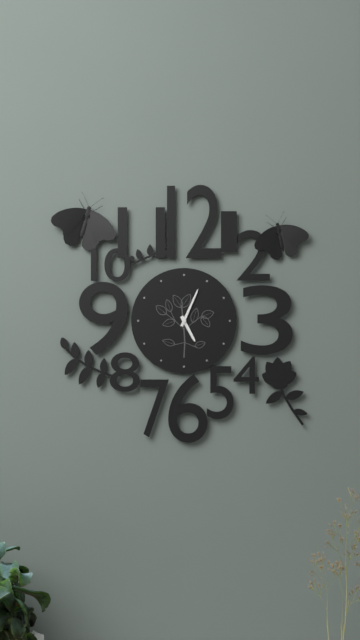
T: 5.04
